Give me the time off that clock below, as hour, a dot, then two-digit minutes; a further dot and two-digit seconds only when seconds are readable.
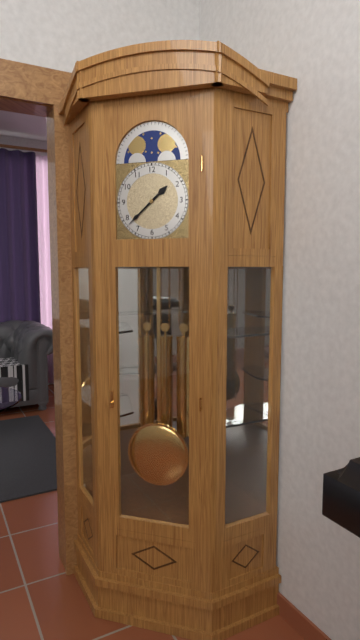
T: 1.38
